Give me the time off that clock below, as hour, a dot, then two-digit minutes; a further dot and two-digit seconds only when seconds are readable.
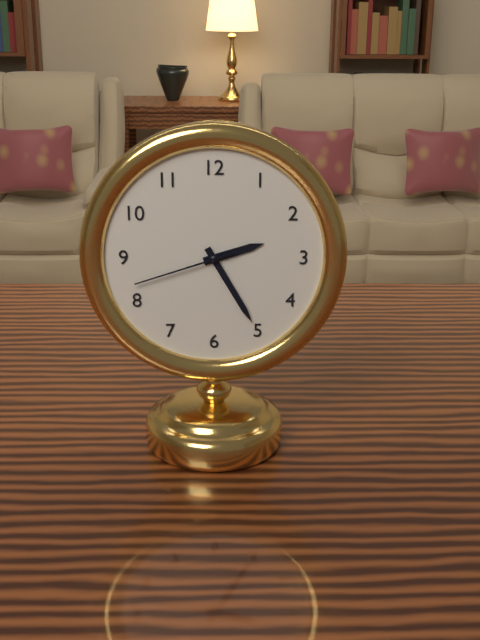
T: 2.25.42
